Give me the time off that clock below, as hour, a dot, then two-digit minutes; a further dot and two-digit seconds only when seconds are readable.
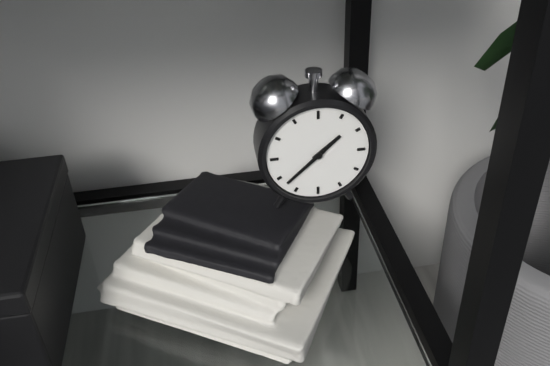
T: 1.38
